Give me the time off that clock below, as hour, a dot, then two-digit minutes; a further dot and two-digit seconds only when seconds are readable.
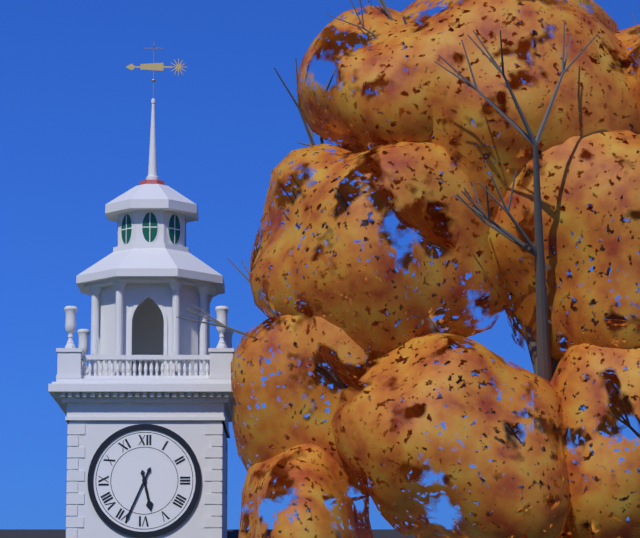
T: 5.34
